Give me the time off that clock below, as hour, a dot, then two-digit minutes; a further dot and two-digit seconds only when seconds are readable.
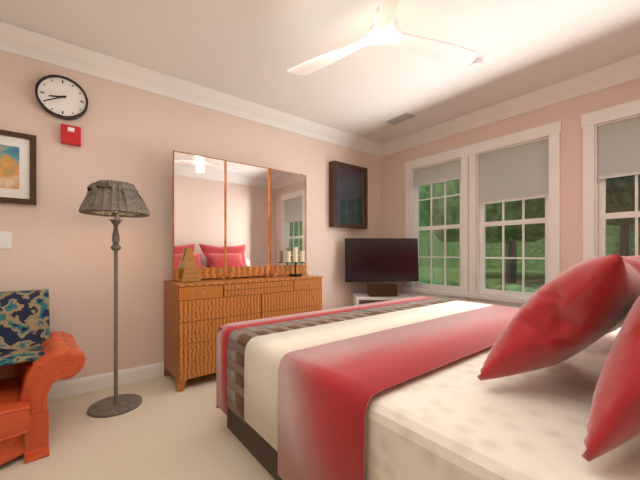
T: 8.40
